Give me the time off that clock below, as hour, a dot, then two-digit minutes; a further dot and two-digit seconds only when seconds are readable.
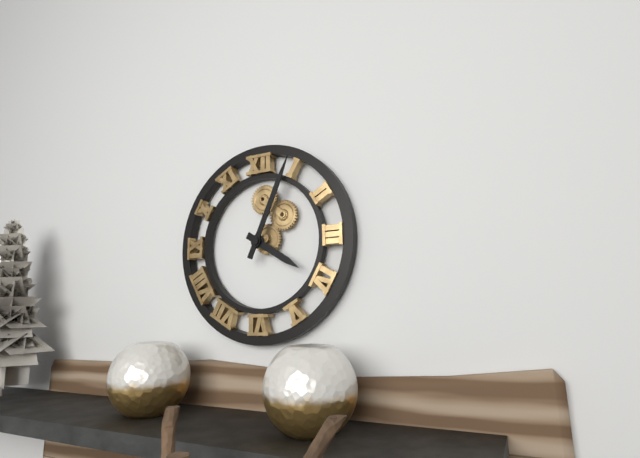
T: 4.04
